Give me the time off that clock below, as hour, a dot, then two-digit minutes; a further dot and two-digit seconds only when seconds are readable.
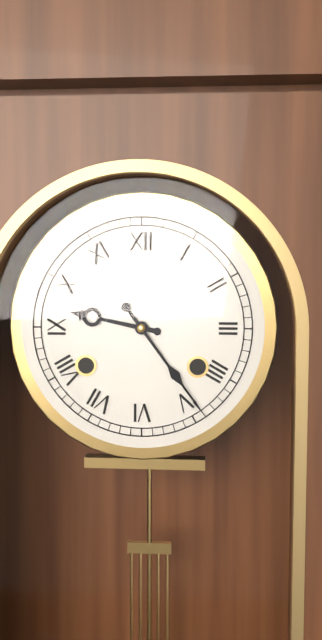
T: 9.24
